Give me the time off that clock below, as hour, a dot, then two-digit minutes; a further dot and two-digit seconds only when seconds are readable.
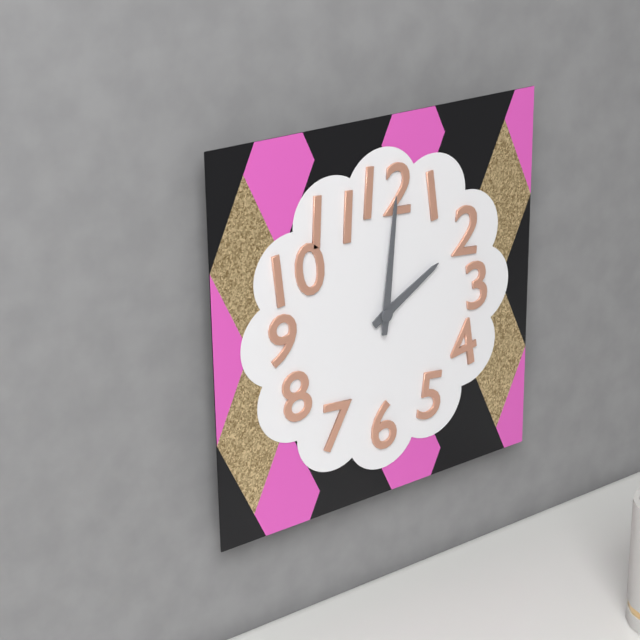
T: 2.01
